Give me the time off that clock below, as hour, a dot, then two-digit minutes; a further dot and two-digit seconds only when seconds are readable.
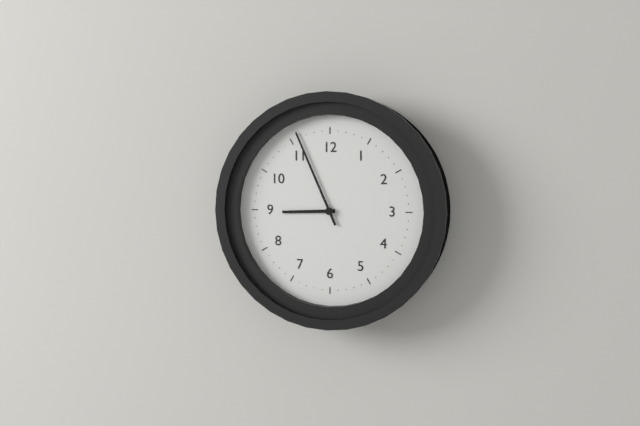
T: 8.56
